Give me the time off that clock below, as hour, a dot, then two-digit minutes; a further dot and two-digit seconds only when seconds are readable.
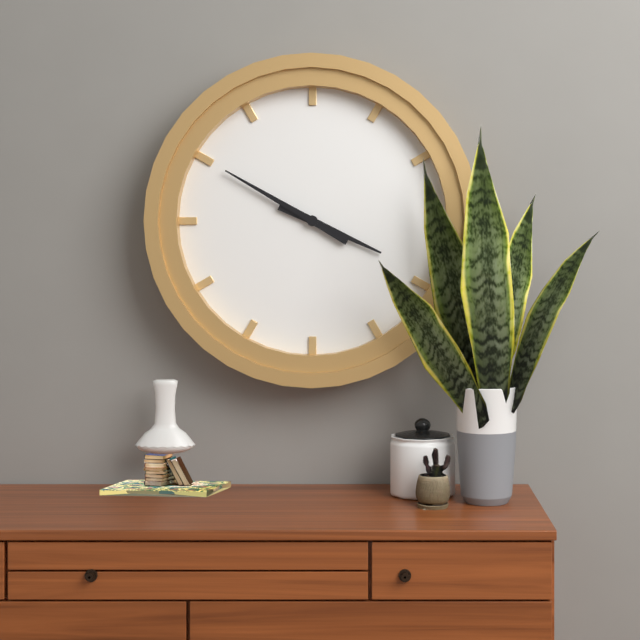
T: 3.50
